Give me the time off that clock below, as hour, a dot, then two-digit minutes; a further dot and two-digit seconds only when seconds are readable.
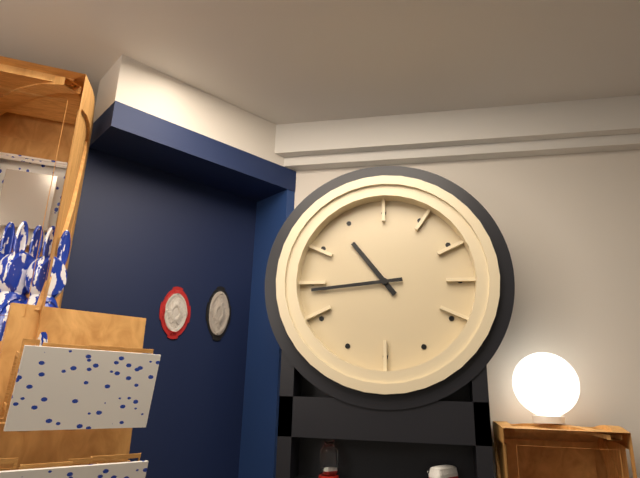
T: 10.44
